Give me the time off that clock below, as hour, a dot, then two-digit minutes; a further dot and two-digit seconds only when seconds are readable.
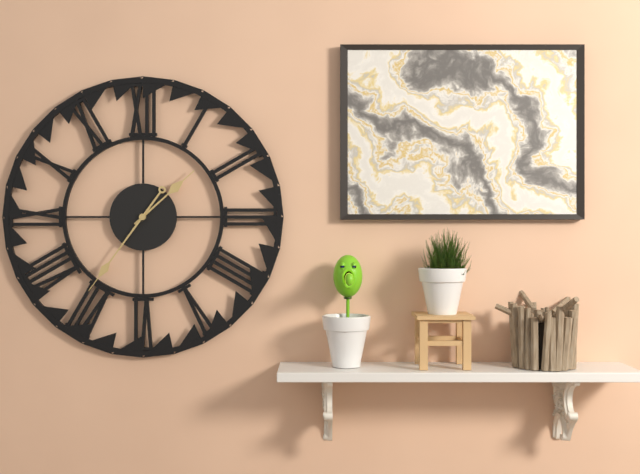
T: 1.36
